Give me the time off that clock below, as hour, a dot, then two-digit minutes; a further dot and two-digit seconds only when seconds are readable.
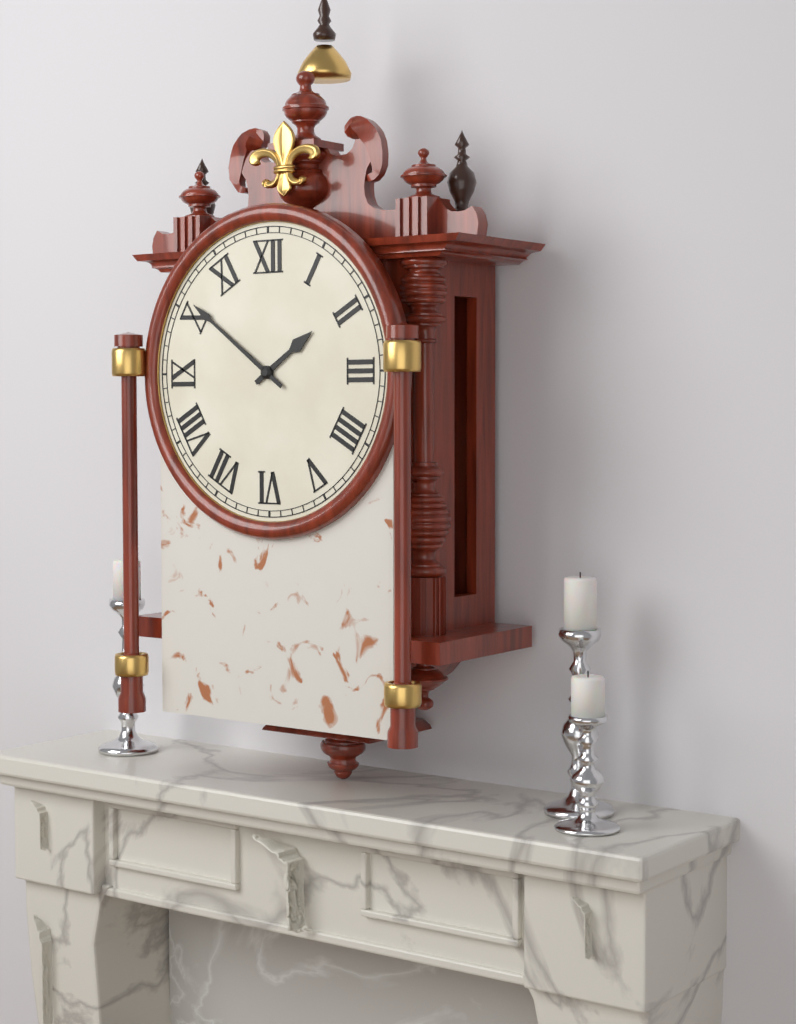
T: 1.51
